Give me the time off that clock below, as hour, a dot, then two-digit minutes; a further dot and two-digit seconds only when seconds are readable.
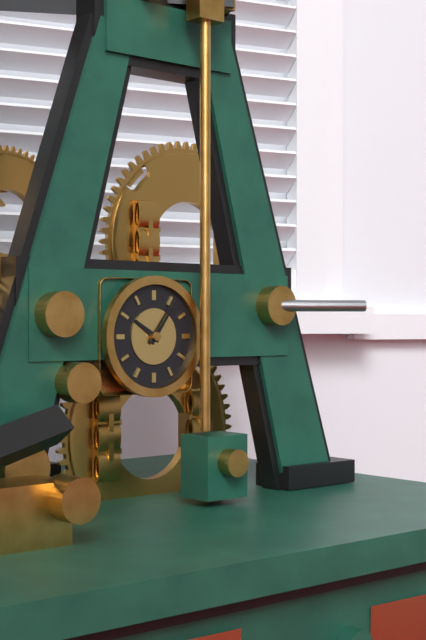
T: 10.06
